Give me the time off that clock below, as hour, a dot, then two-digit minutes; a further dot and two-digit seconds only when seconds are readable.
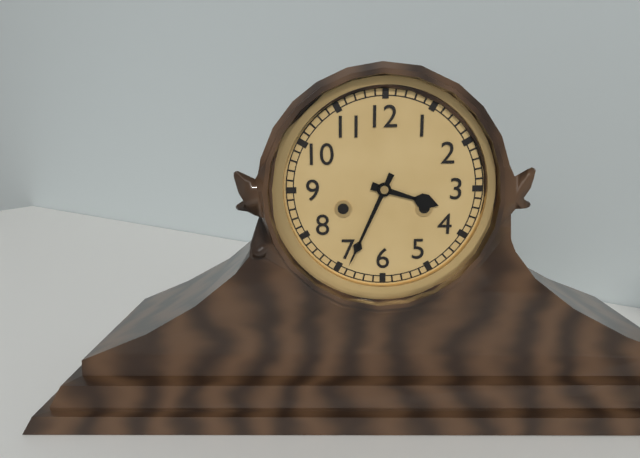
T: 3.34
